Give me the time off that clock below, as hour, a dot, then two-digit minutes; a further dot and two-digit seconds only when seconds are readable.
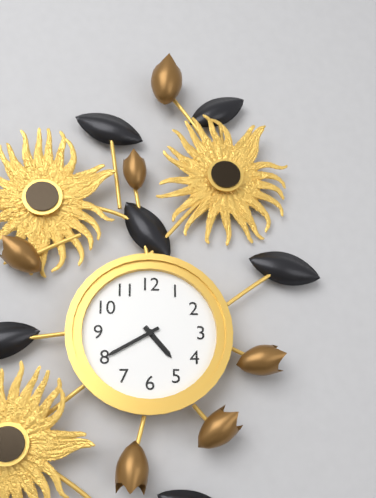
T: 4.40
